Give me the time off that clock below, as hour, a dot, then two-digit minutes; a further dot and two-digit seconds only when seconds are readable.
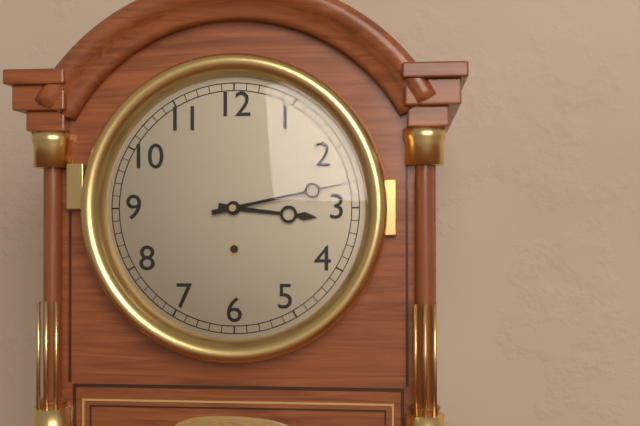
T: 3.13
